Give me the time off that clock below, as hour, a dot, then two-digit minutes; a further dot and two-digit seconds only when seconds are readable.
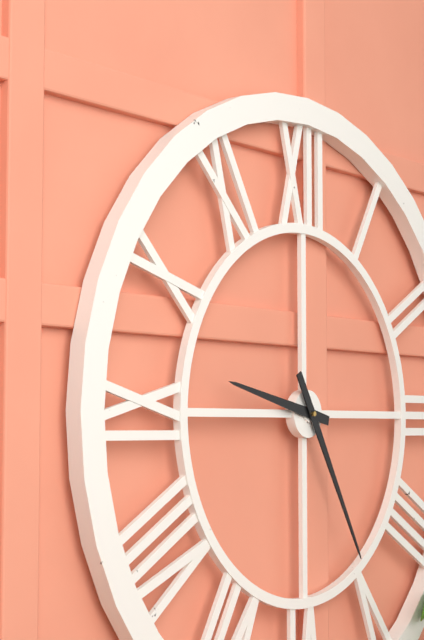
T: 9.25
